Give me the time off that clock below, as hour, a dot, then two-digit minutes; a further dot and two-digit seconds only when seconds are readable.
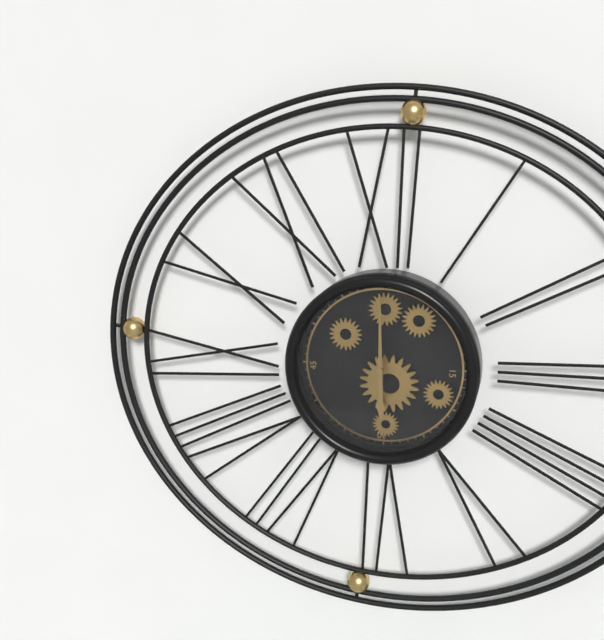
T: 6.00
